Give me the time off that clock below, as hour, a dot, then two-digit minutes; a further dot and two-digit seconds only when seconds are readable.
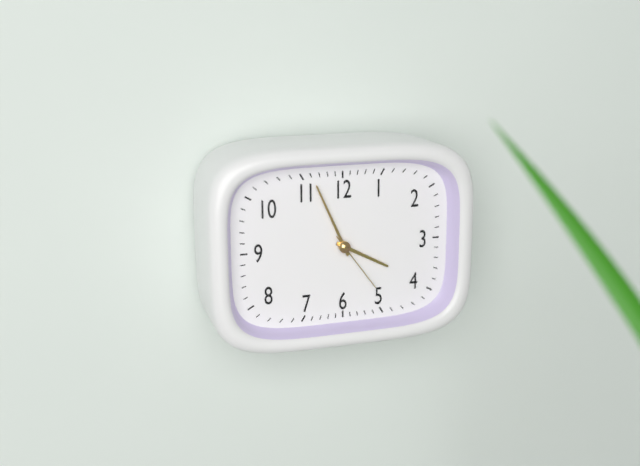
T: 3.56.24
